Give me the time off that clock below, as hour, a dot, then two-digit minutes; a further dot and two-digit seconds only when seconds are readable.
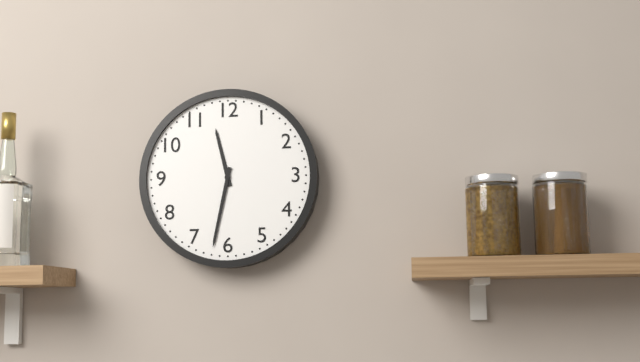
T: 11.32
